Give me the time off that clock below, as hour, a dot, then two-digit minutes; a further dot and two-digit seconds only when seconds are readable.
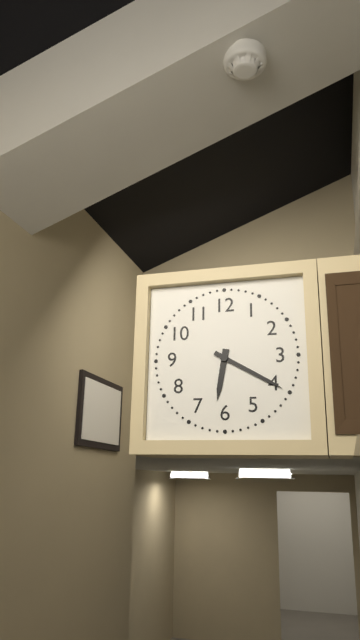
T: 6.20
